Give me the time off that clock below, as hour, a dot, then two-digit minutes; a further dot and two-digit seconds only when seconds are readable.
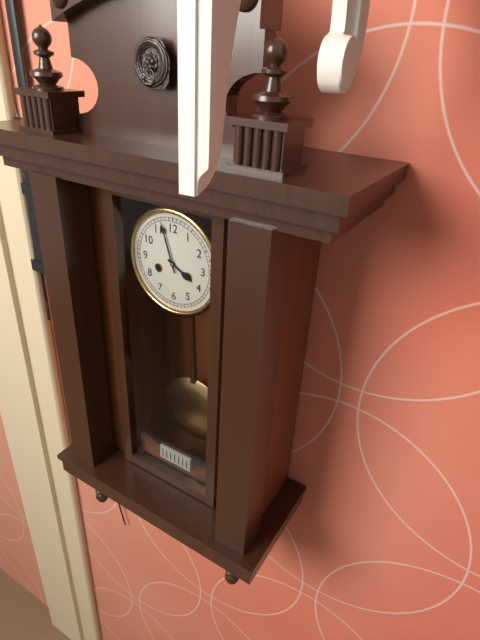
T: 3.57
